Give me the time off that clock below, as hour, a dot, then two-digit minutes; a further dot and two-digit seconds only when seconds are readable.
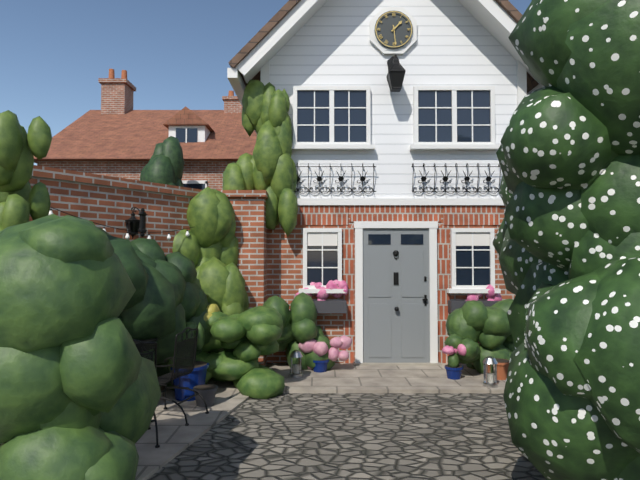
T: 1.29
